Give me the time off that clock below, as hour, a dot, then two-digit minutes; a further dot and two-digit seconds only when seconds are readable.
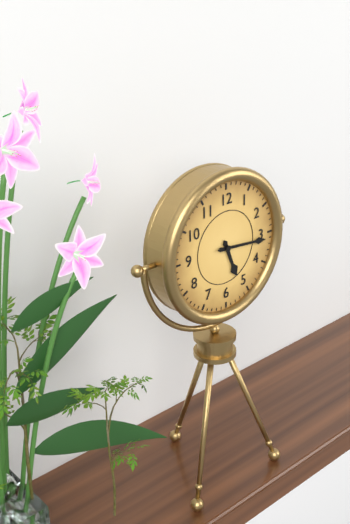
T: 5.16
